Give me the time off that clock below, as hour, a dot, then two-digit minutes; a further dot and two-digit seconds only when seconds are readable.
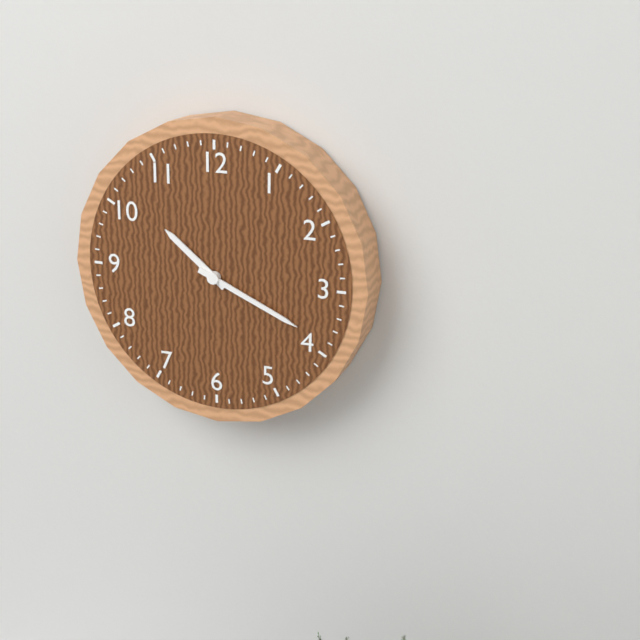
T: 10.19
